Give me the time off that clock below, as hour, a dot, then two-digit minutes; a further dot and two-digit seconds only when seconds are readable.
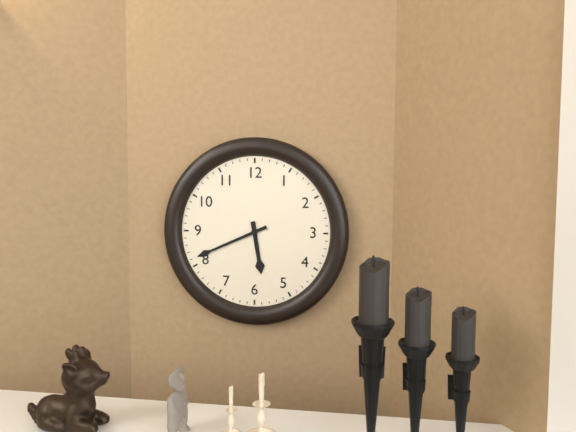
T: 5.41
